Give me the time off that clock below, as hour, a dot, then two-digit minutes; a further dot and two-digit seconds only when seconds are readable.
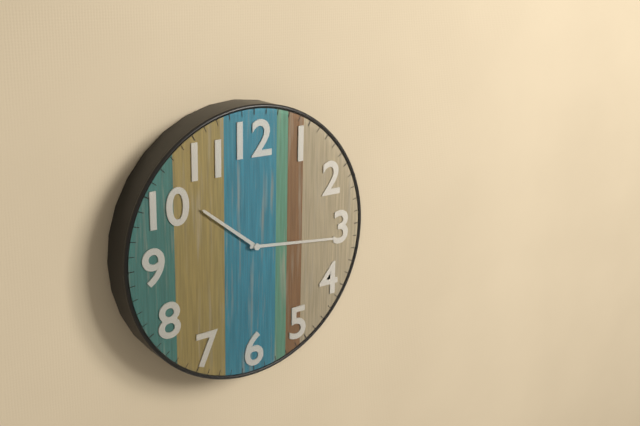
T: 10.16
